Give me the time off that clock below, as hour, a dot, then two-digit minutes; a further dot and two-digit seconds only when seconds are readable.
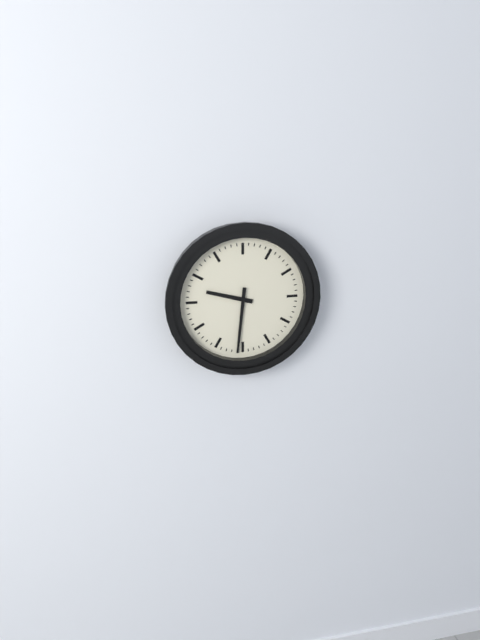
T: 9.31
